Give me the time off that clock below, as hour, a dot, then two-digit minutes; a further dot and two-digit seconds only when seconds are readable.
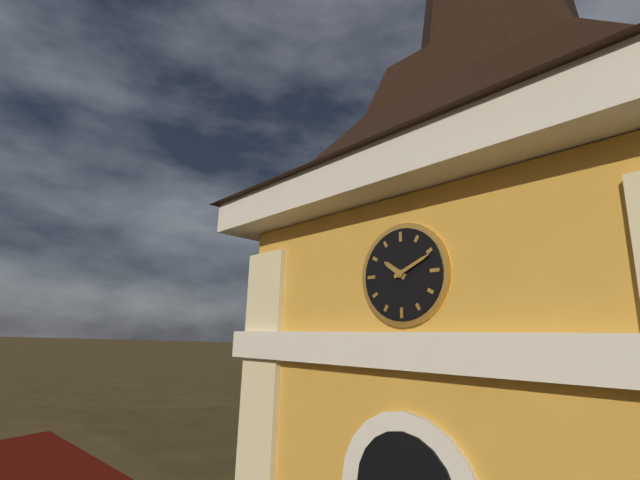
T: 10.11
